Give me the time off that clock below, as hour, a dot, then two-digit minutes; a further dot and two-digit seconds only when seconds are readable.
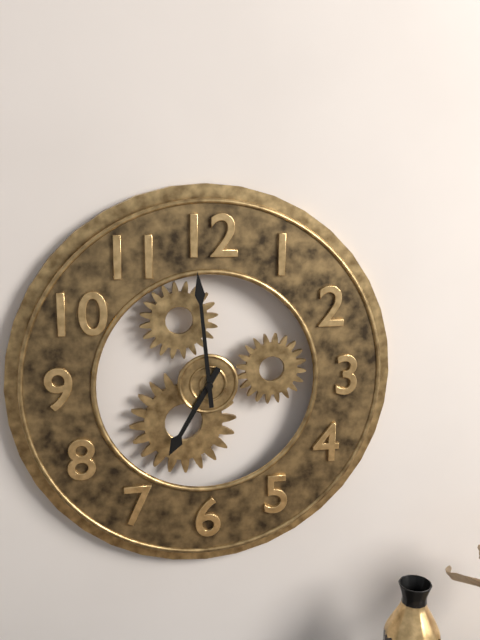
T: 6.59
